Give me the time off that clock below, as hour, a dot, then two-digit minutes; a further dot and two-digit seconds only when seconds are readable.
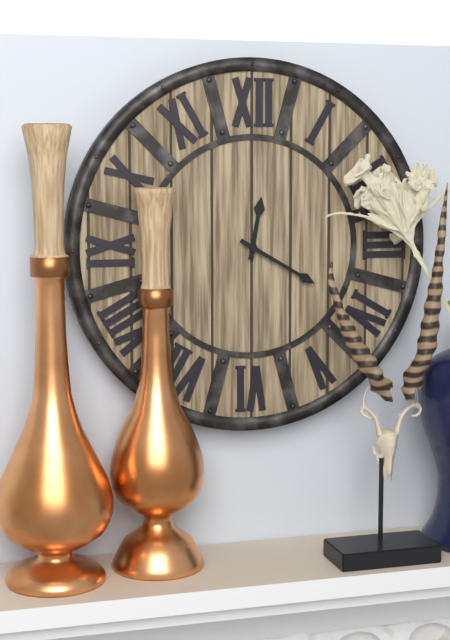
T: 12.20
